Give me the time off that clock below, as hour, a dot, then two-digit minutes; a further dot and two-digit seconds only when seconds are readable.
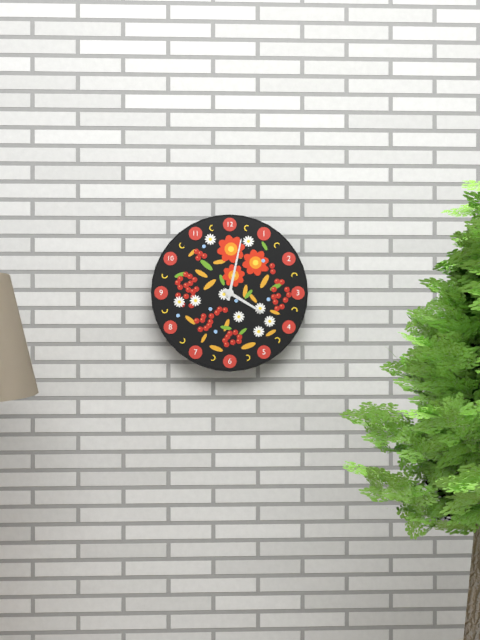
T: 4.02
